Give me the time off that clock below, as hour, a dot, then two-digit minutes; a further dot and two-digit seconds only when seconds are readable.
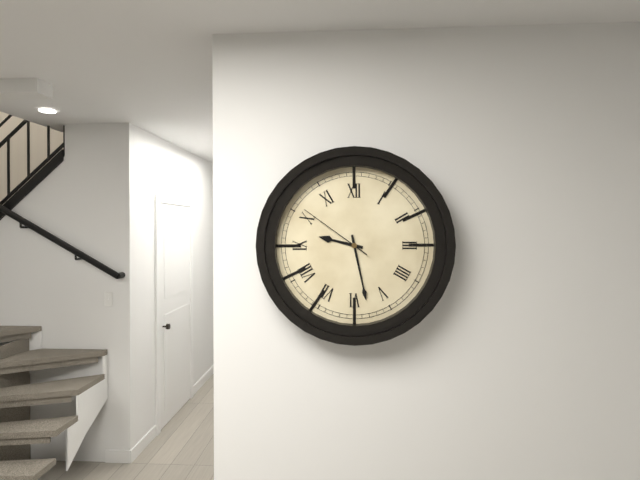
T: 9.28.51
